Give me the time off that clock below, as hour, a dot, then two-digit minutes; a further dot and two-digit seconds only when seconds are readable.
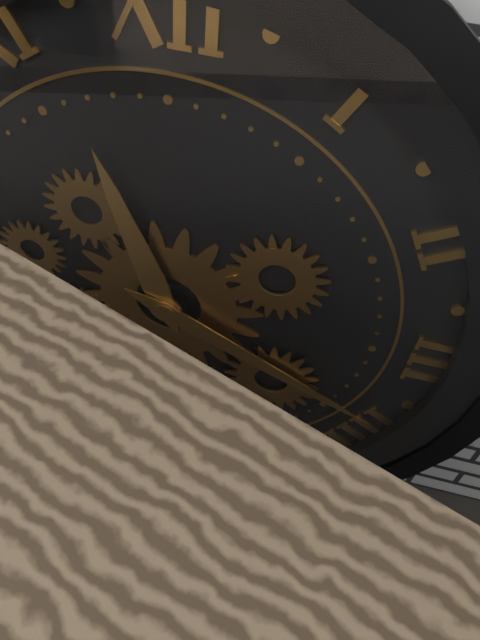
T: 11.19
